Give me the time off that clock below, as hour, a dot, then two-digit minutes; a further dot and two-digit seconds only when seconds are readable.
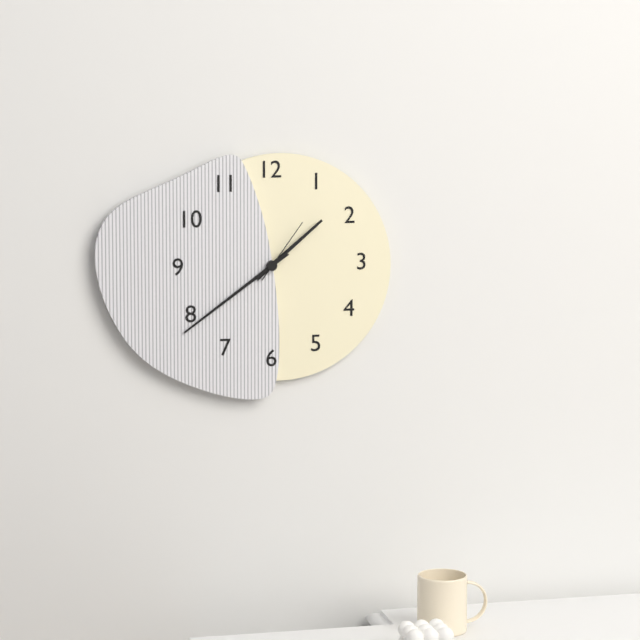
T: 1.39.06
